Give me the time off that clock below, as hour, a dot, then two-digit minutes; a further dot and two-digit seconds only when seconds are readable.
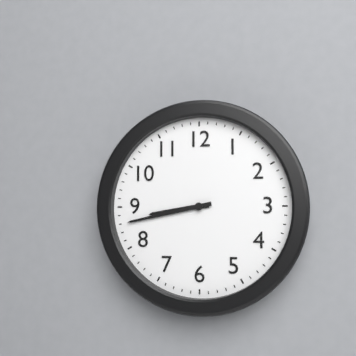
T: 8.43
